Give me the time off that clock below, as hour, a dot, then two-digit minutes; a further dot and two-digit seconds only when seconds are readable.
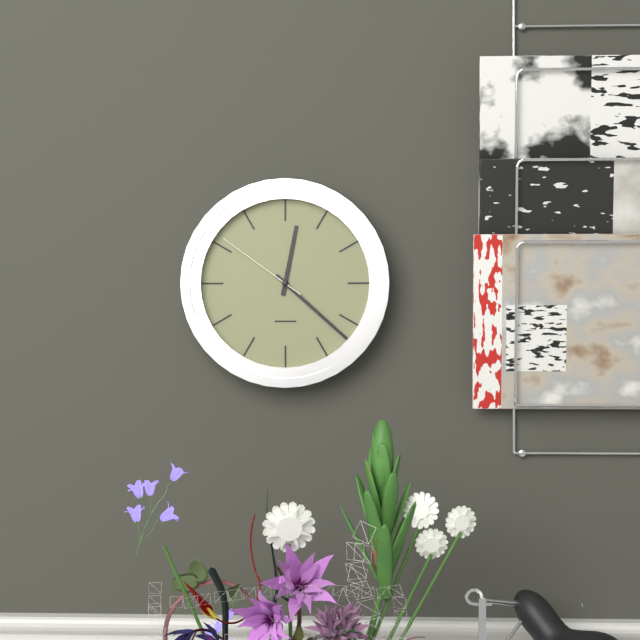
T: 12.22.51
